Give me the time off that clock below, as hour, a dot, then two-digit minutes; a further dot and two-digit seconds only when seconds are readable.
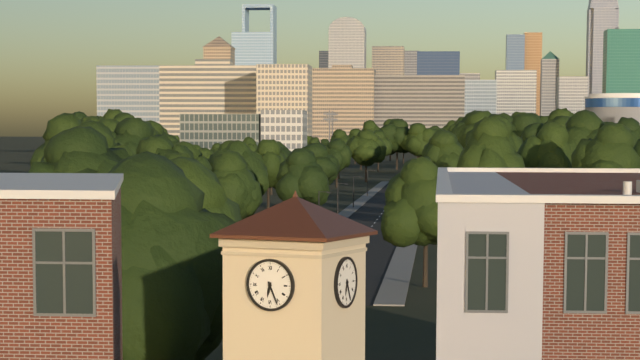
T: 6.26
